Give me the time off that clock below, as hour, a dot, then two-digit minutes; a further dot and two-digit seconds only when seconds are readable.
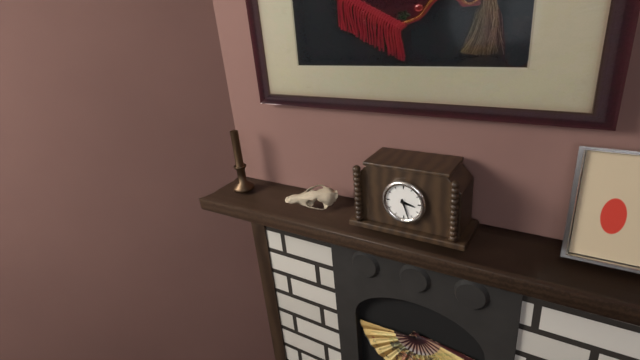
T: 3.27
